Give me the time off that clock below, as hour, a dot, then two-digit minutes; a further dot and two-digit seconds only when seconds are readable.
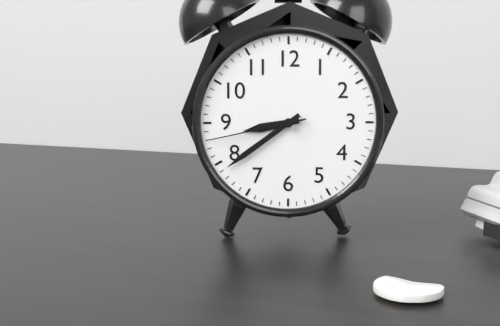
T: 8.39.43
